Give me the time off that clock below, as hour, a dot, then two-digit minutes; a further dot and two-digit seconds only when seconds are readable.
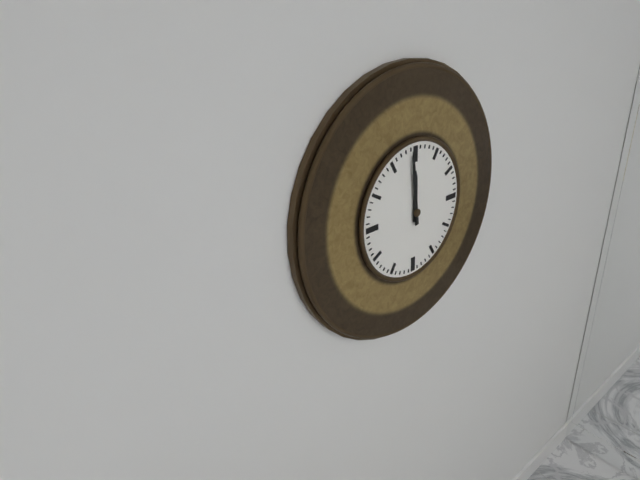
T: 11.59
